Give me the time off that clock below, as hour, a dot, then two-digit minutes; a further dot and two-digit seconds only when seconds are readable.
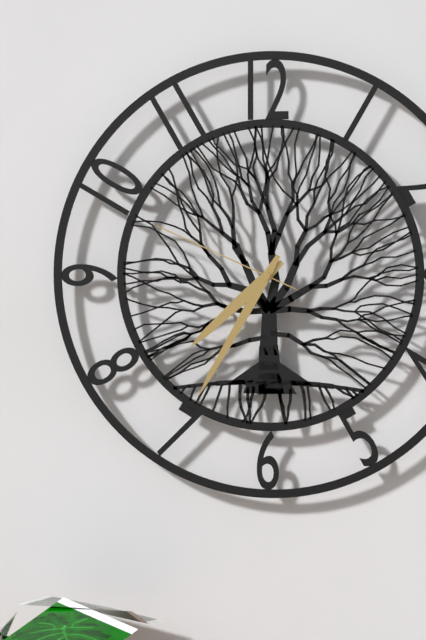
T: 7.35.49
